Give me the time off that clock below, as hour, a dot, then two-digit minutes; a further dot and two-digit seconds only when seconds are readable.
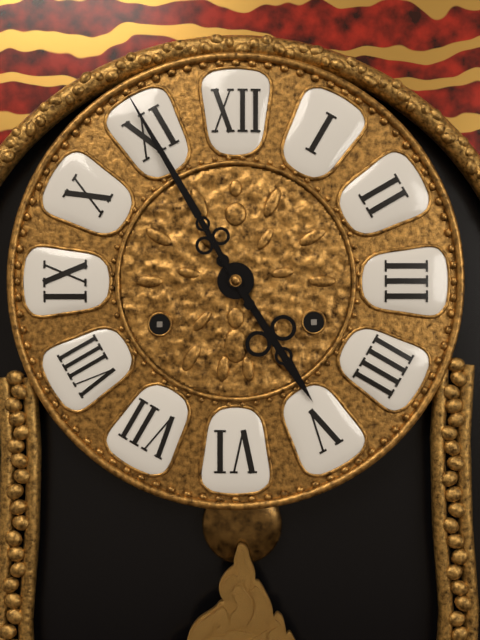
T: 4.55
